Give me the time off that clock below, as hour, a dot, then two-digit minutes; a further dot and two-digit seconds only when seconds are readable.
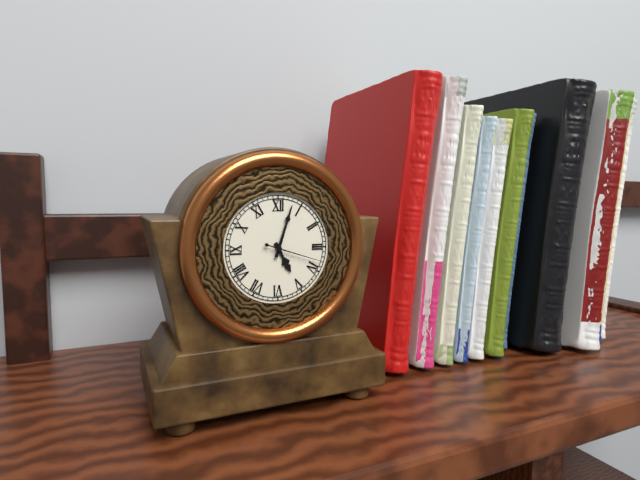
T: 5.03.18
